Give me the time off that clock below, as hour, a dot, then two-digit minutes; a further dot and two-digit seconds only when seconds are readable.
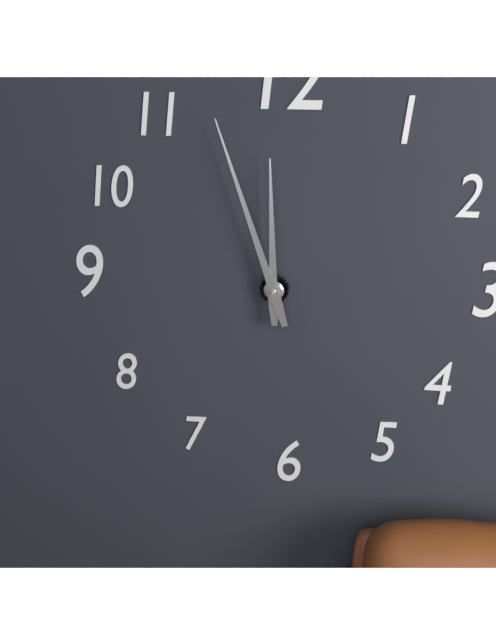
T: 11.57
